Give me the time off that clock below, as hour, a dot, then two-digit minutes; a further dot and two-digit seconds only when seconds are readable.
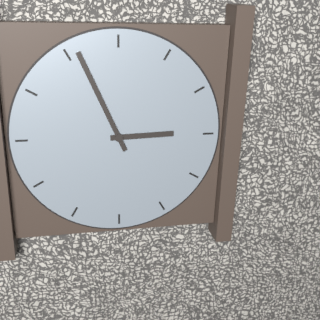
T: 2.56
